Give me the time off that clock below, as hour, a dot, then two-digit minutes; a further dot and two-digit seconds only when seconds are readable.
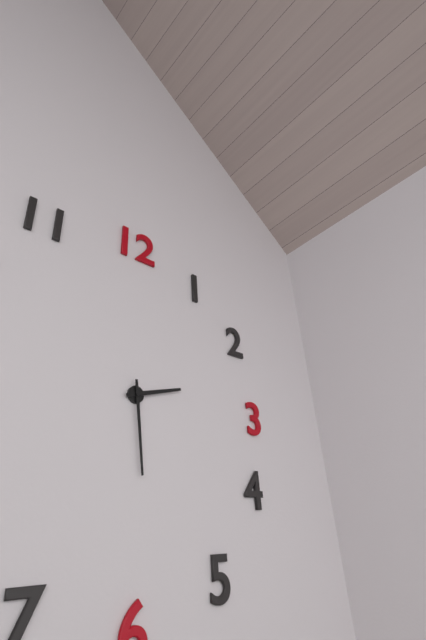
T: 2.29
